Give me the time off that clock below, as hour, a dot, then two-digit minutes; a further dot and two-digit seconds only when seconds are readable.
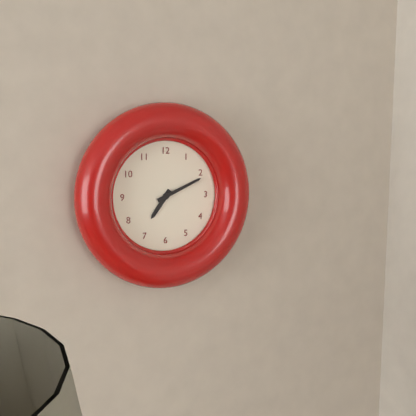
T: 7.11
